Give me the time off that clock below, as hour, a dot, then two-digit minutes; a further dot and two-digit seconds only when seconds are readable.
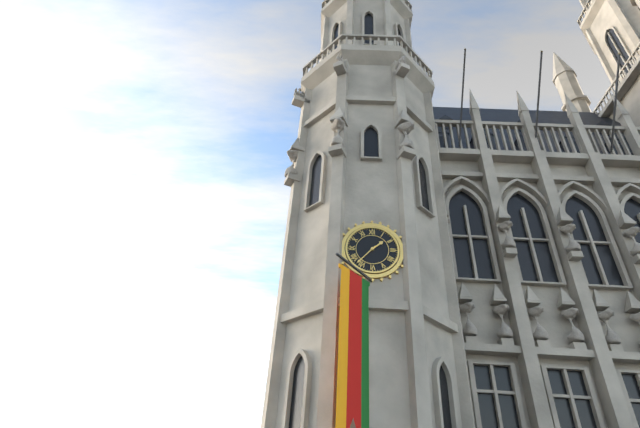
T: 1.37
